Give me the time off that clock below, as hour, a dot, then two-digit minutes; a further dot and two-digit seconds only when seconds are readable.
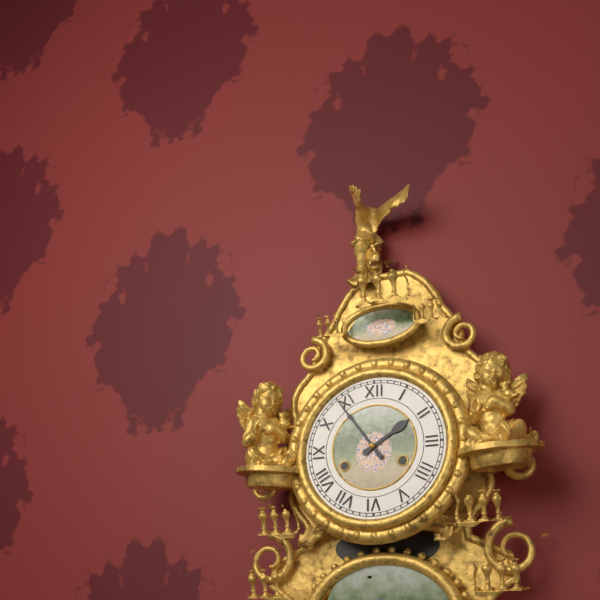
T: 1.54
